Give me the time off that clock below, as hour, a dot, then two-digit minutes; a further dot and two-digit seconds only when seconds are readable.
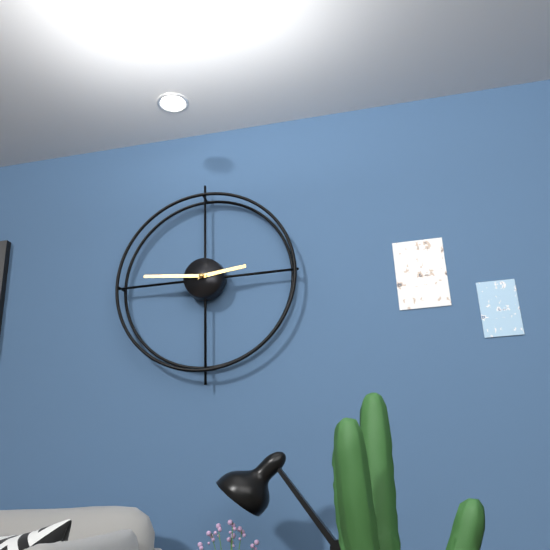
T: 2.46
